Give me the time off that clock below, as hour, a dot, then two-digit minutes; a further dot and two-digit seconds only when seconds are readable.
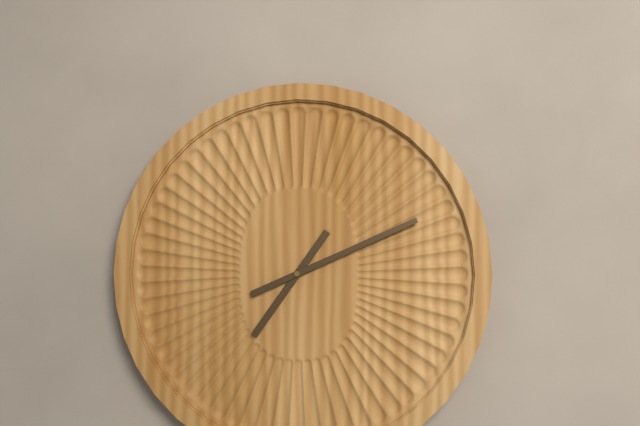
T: 7.11
